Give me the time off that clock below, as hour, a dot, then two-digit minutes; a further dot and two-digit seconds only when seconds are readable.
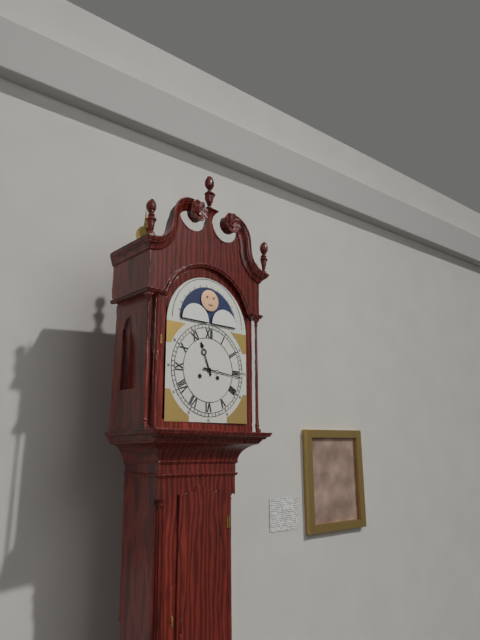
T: 11.16
